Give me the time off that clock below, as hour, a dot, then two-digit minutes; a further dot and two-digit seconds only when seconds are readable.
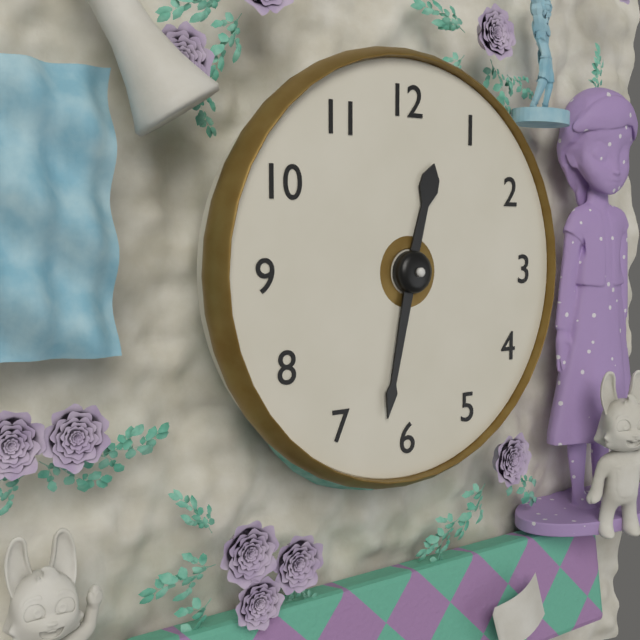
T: 12.32
